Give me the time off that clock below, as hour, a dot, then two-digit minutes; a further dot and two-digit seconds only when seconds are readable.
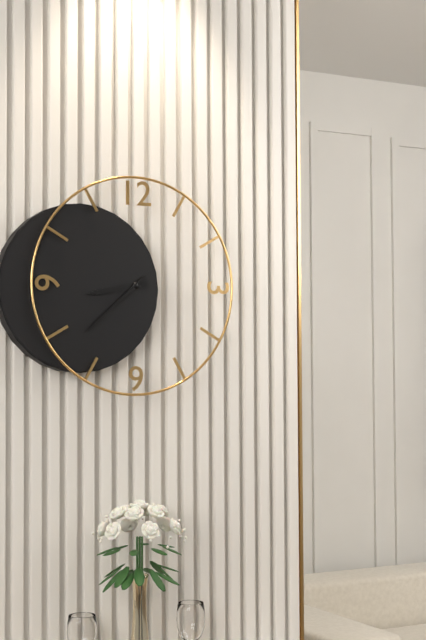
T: 8.38
